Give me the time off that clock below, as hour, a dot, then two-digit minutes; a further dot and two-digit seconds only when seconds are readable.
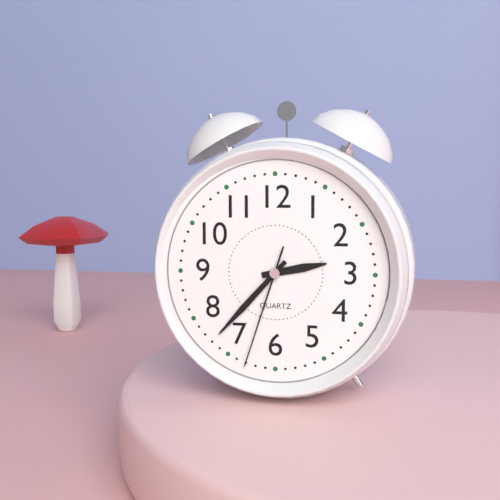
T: 2.37.33
